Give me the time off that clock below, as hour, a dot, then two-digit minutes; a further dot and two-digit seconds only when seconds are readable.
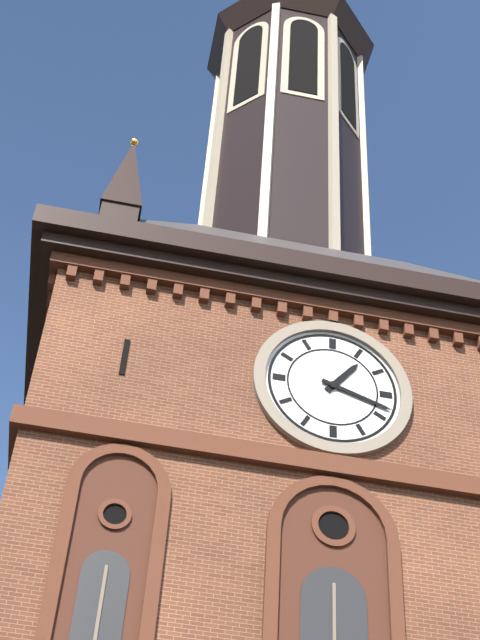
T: 1.18
